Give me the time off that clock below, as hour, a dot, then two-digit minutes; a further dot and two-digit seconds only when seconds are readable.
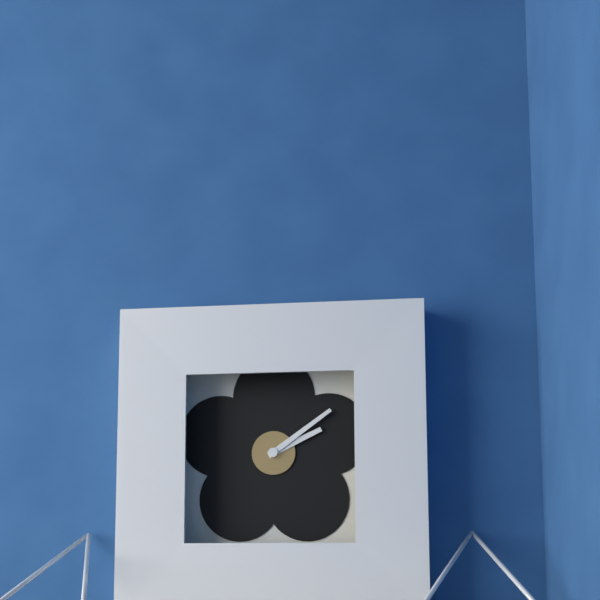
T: 2.09
